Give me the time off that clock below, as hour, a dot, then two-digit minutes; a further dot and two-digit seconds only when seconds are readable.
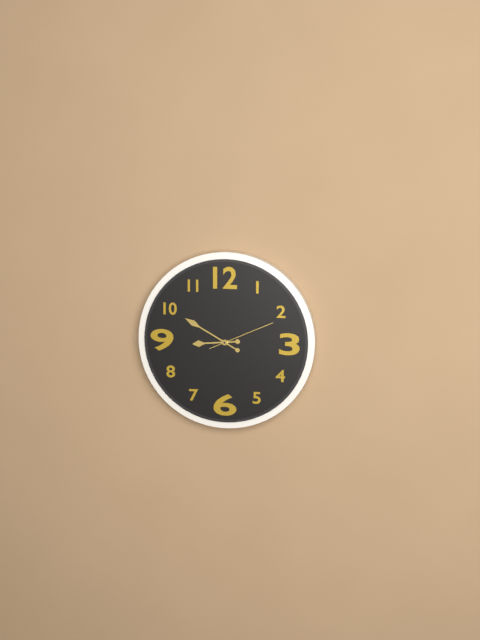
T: 8.50.11
